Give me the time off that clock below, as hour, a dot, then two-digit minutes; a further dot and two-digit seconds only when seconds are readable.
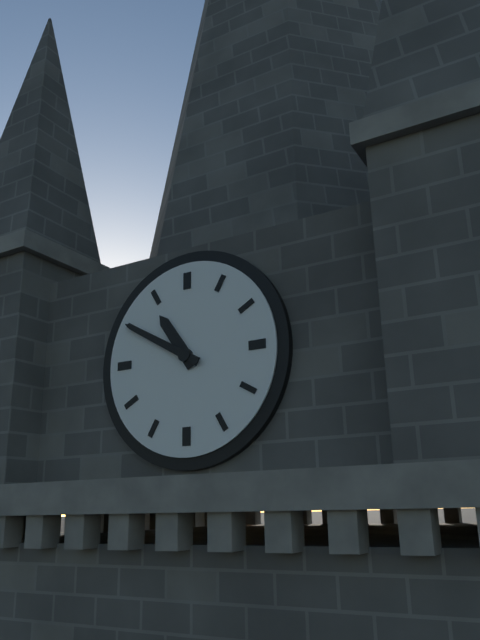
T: 10.50
